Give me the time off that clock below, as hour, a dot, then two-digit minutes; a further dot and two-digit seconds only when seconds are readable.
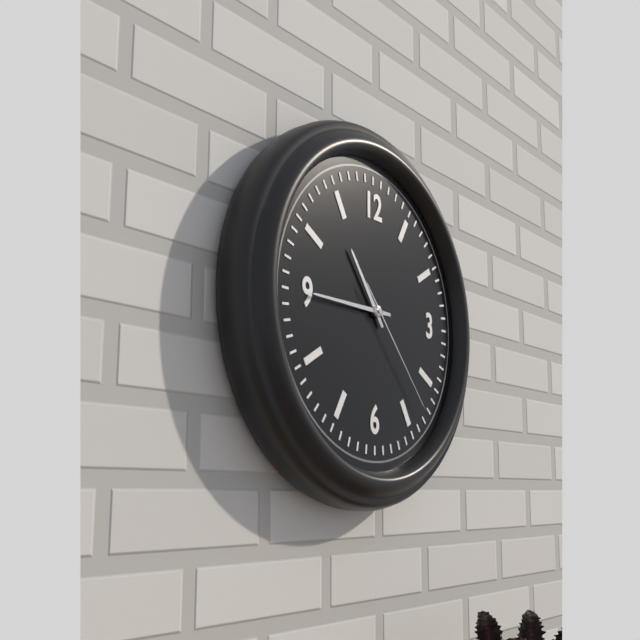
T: 10.45.23
